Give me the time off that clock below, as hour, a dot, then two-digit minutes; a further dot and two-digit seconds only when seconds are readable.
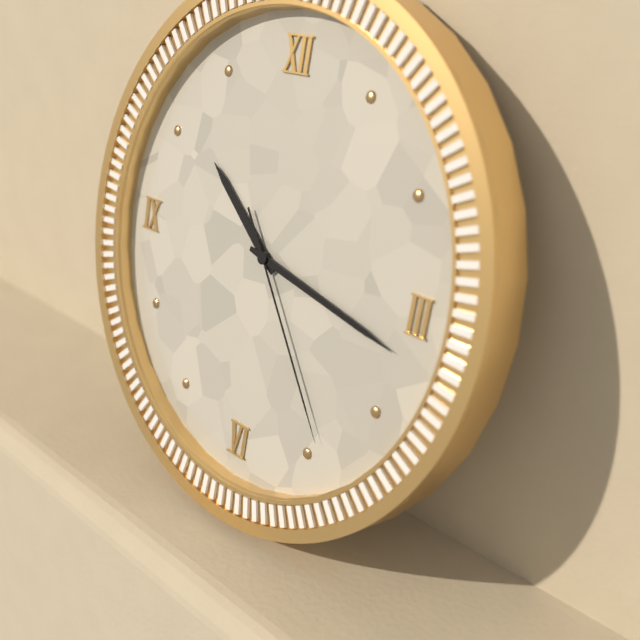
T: 10.17.24
